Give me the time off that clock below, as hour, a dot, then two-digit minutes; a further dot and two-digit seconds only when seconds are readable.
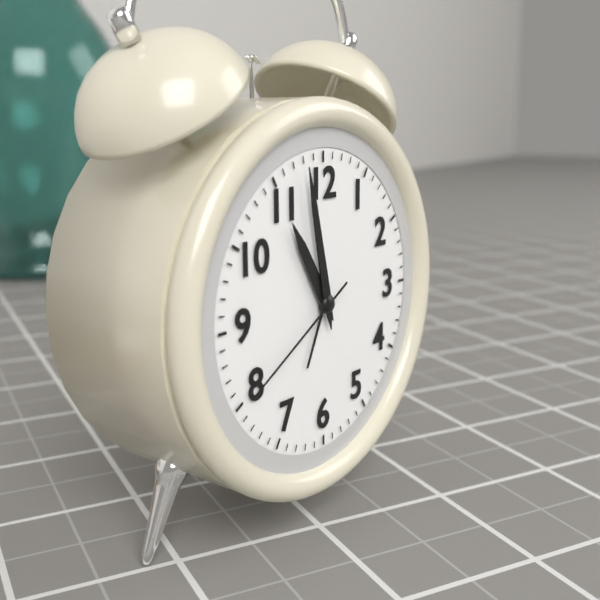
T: 10.58.40
